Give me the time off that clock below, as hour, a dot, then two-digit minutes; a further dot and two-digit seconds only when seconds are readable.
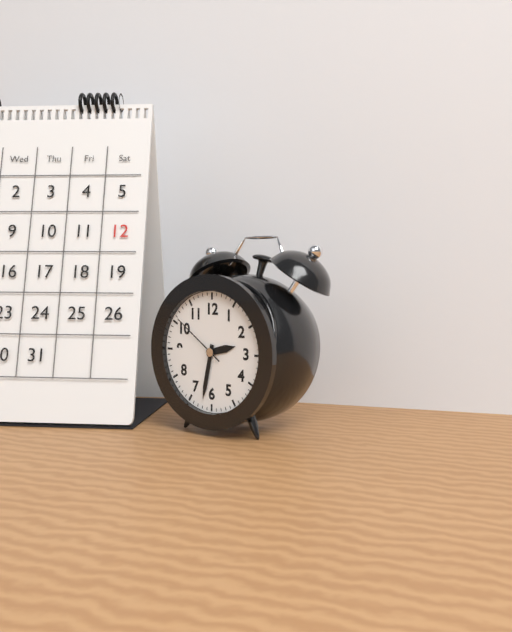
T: 2.32.51
